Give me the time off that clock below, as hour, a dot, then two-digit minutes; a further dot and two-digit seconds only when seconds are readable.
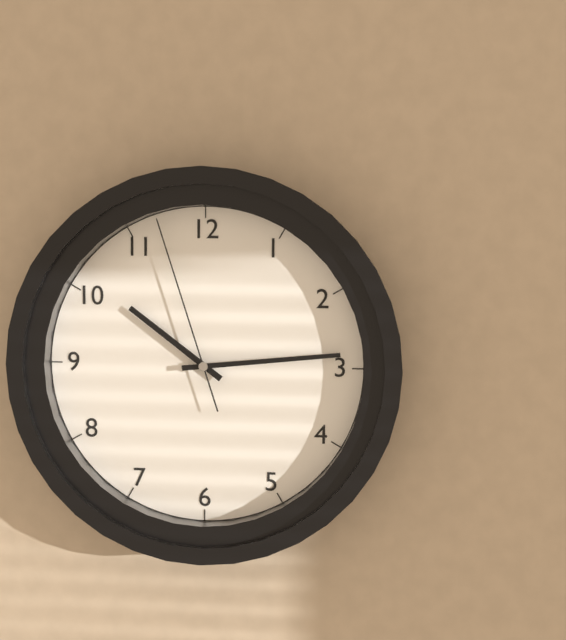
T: 10.14.57
